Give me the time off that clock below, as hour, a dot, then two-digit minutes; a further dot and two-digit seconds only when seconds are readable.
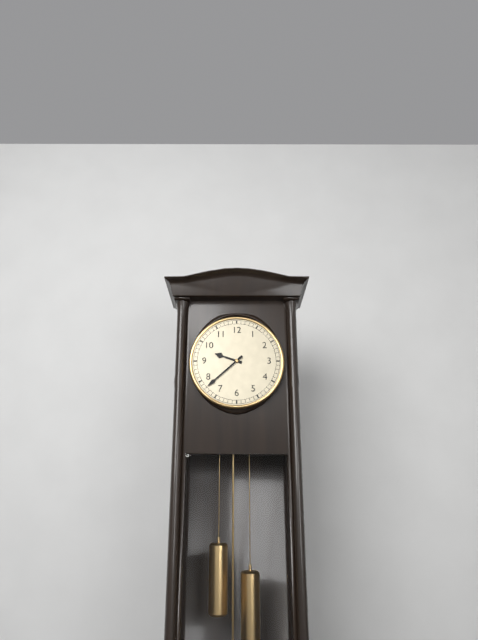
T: 9.38
